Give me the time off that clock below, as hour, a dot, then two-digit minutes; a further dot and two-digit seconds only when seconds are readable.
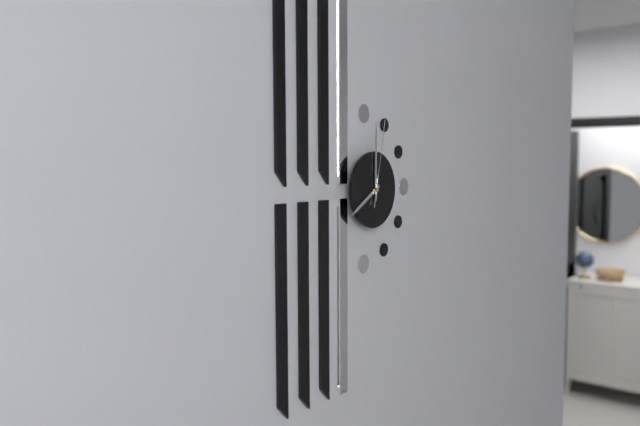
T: 8.00.02
